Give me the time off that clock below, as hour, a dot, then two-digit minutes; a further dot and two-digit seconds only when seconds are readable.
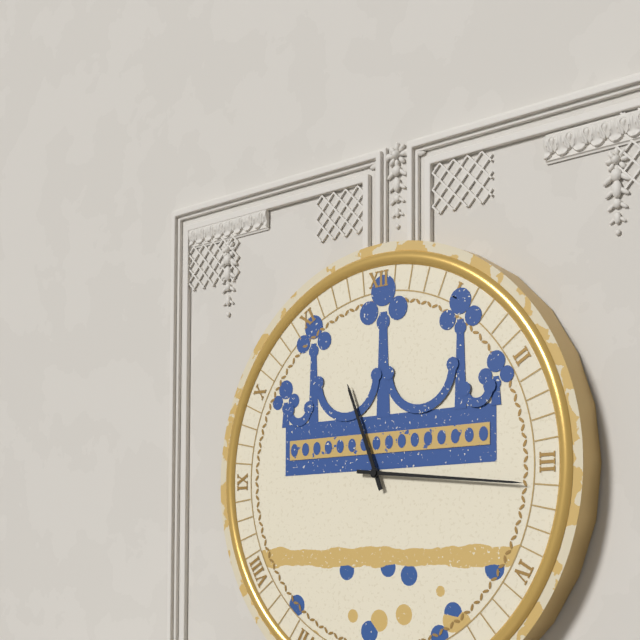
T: 11.16
